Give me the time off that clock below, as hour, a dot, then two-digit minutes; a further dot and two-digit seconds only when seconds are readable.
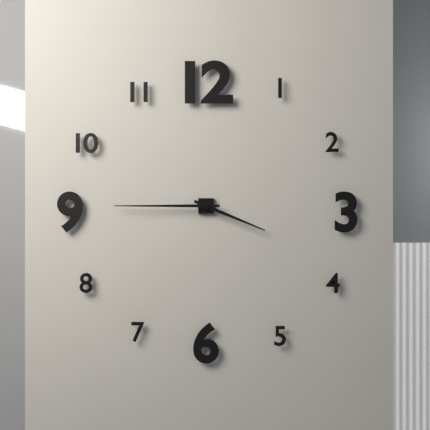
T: 3.45
